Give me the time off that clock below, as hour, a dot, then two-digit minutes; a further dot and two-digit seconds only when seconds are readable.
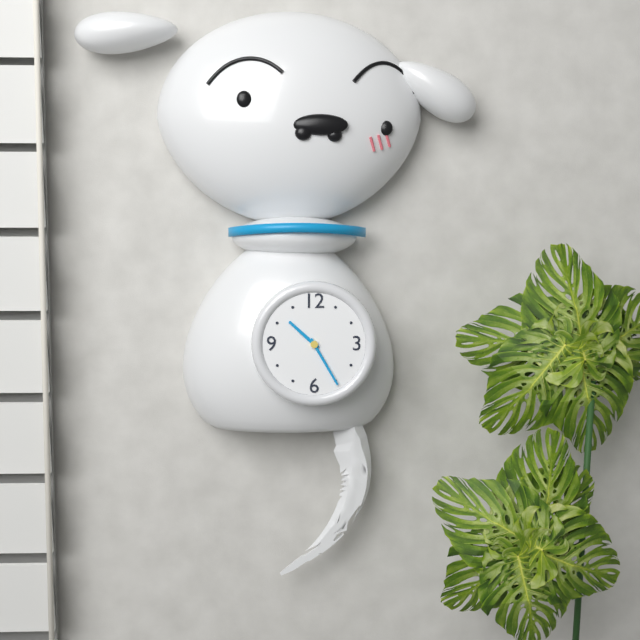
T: 10.25
